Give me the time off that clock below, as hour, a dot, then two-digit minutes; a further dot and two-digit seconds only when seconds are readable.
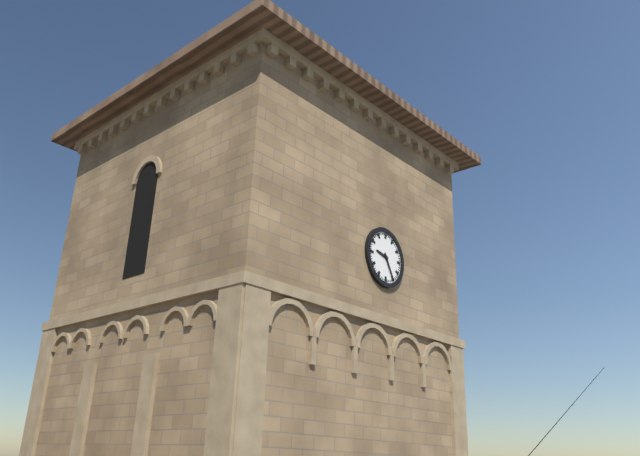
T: 9.25
